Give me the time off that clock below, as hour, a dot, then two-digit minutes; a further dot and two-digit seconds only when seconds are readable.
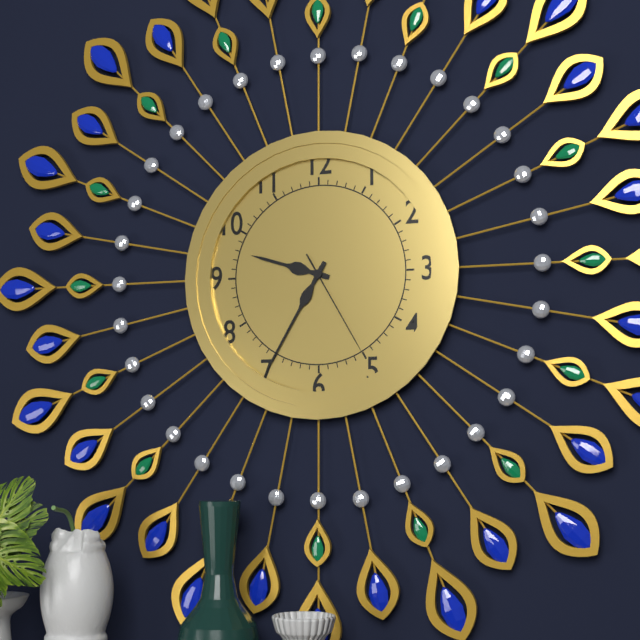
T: 9.35.25
